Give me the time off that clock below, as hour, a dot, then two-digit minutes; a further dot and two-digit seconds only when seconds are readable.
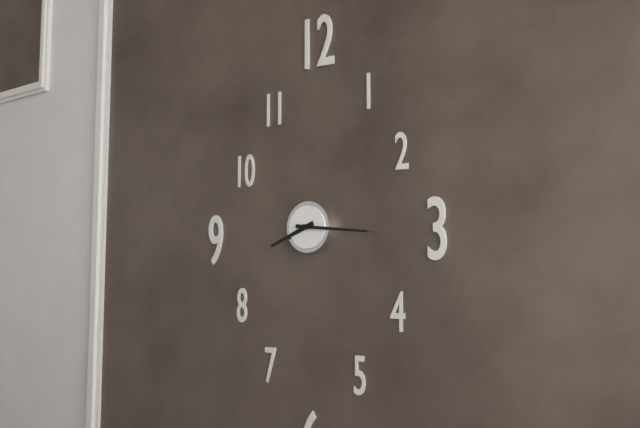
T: 8.16
